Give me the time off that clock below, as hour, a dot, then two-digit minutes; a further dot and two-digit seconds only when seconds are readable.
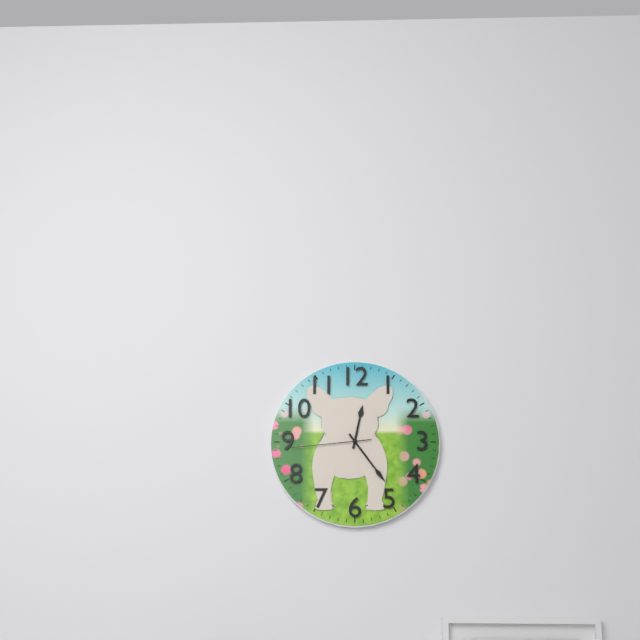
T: 12.24.44
